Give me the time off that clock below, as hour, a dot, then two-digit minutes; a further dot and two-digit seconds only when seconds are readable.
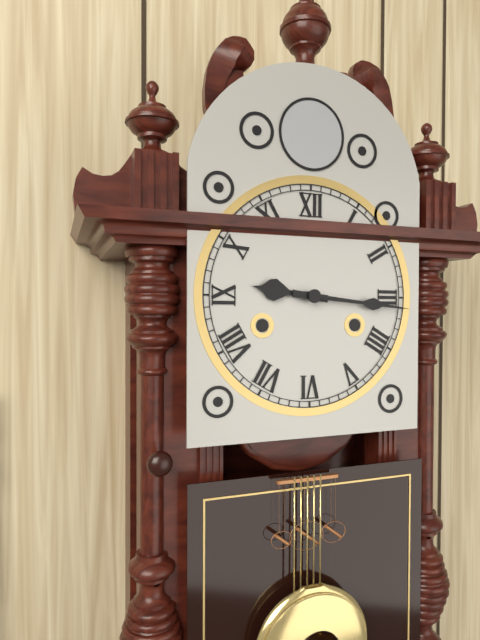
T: 9.16
